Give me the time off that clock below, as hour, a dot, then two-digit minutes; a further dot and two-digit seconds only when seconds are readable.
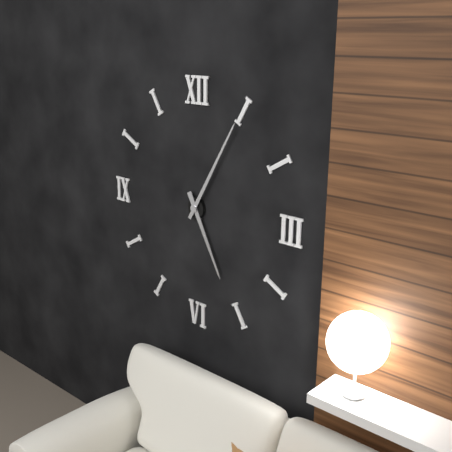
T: 5.05
